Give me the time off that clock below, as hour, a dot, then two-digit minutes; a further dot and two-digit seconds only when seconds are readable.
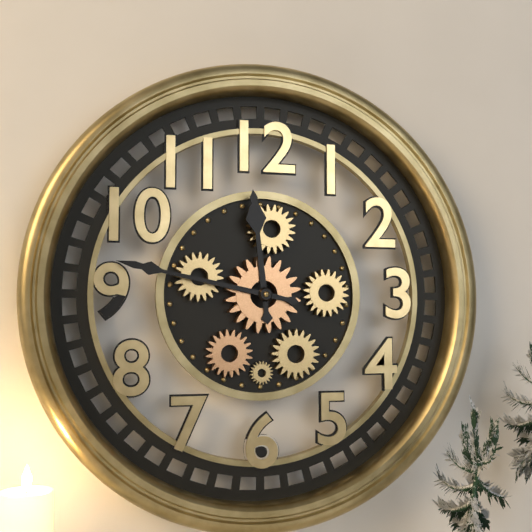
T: 11.47
